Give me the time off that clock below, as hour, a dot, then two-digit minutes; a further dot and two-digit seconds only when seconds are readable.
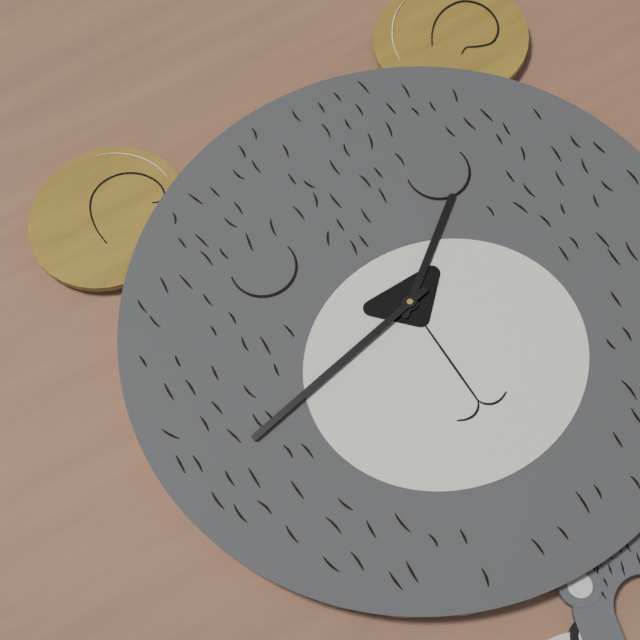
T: 1.43
